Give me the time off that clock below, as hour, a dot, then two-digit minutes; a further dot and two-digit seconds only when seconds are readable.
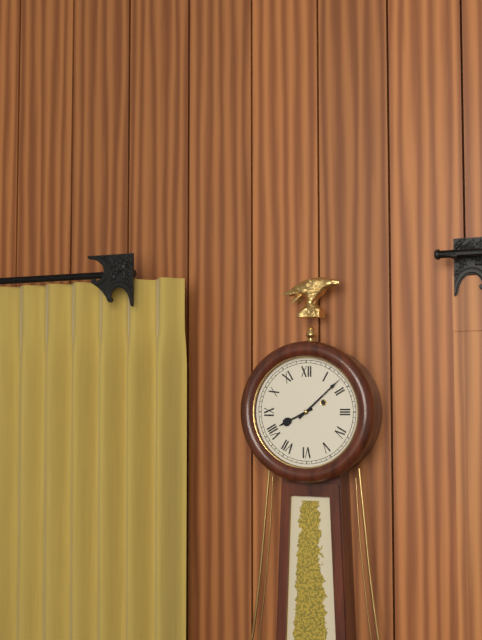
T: 8.08
